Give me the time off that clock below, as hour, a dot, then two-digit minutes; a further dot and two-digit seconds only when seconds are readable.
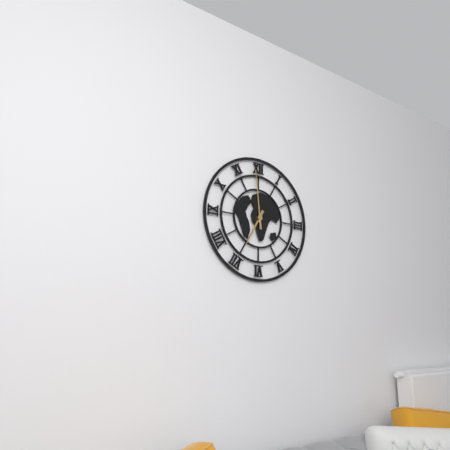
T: 6.59
